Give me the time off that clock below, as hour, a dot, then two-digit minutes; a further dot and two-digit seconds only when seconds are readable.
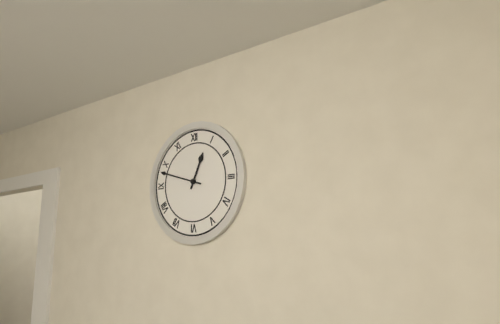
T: 12.48
